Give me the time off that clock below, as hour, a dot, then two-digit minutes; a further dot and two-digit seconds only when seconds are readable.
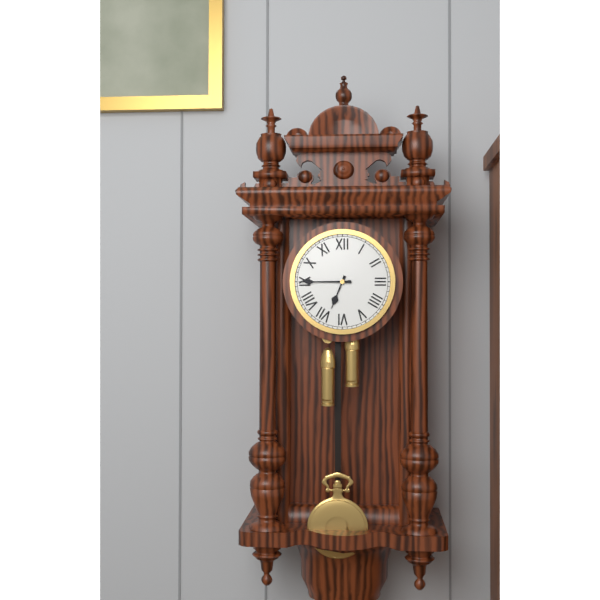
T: 6.45
